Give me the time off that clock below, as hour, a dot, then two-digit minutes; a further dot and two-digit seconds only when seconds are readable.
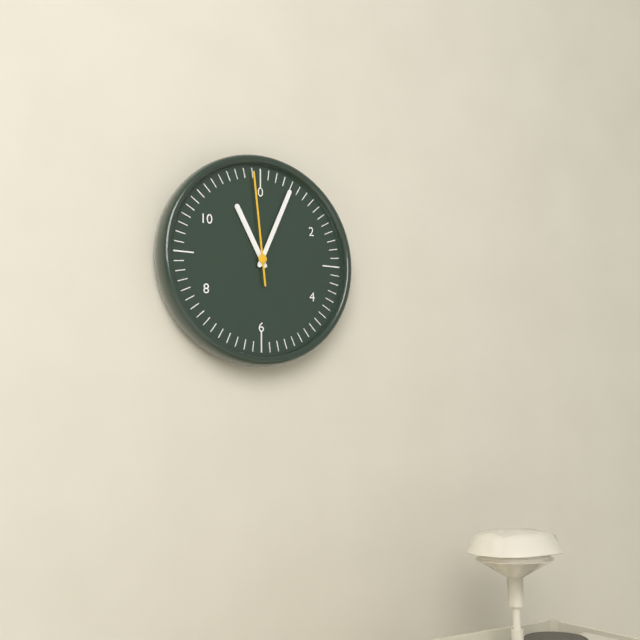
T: 11.04.59
